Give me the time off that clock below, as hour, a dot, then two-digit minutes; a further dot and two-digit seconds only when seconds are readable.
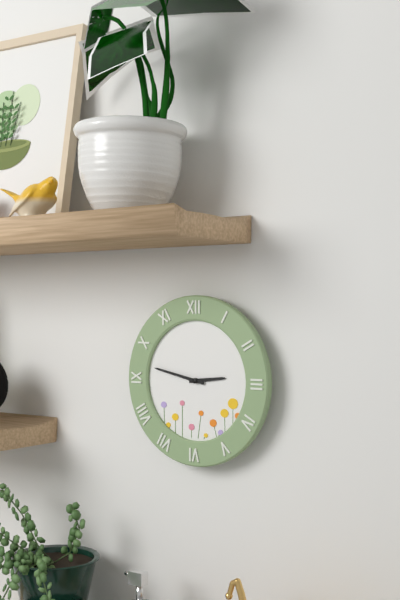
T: 2.47
